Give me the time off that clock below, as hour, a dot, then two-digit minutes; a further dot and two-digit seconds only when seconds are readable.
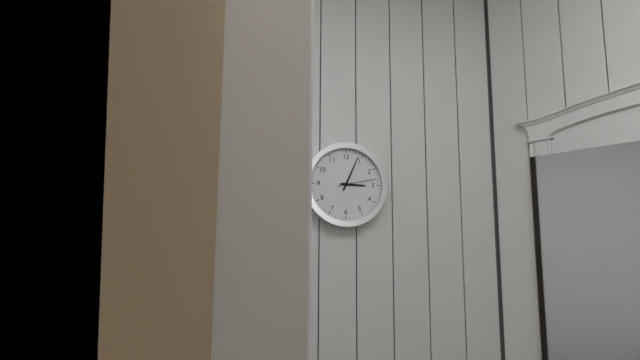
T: 3.04
